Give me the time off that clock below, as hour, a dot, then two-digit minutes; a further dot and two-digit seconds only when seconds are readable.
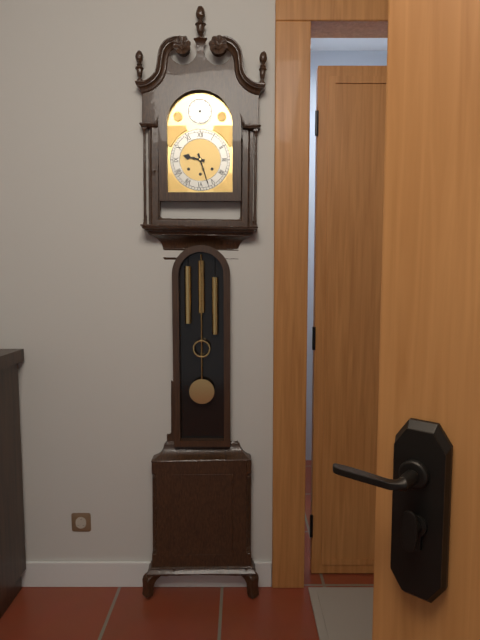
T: 9.27
